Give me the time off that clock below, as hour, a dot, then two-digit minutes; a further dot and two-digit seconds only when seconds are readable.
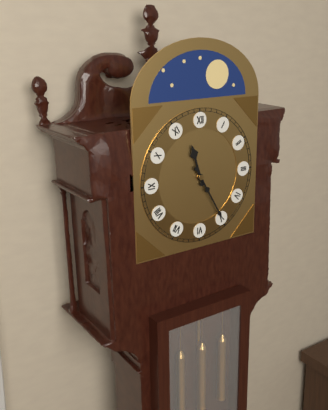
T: 11.25
